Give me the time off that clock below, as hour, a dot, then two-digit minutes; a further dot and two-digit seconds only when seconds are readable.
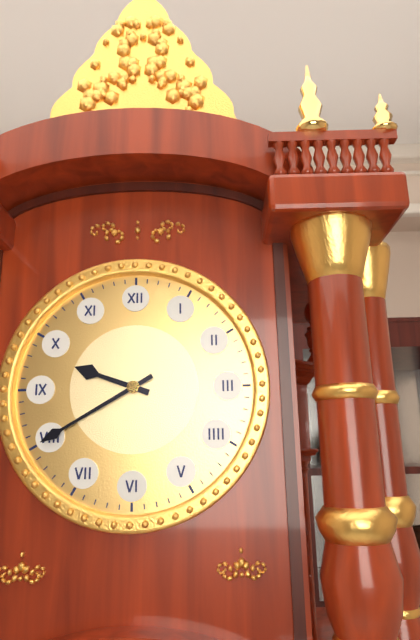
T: 9.40
